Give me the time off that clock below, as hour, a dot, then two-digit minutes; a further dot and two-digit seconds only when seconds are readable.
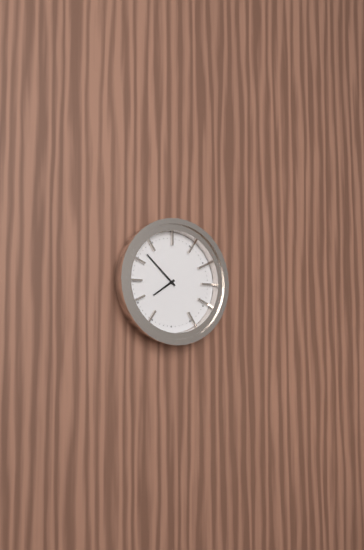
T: 7.52
